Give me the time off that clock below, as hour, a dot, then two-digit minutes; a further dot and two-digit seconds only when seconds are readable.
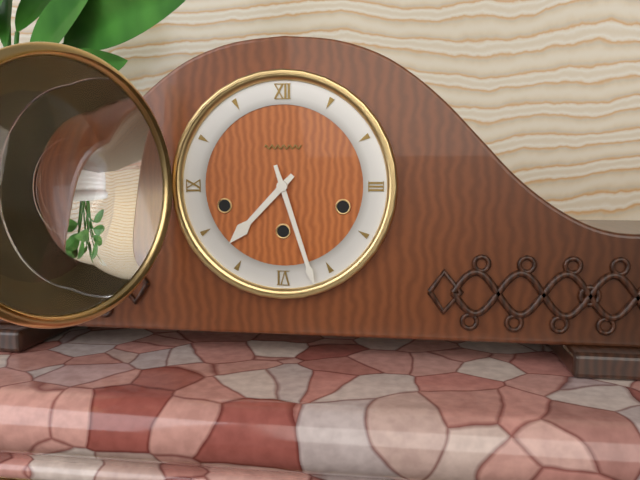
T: 7.27
